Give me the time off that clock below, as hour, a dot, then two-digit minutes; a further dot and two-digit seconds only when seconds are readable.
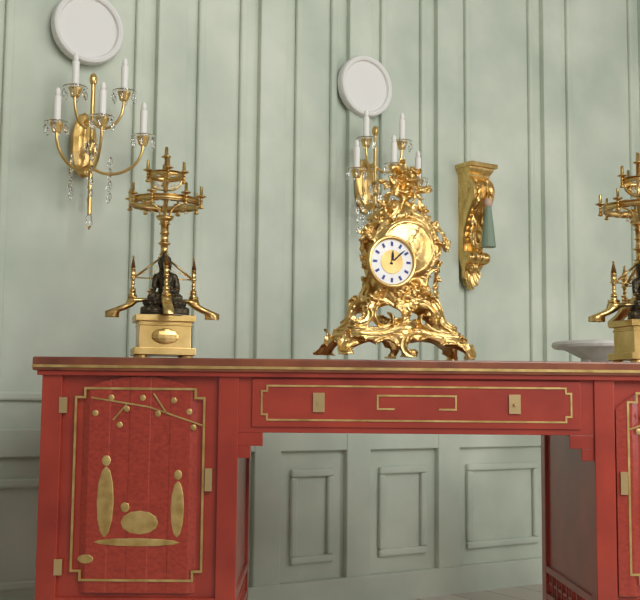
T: 12.08
